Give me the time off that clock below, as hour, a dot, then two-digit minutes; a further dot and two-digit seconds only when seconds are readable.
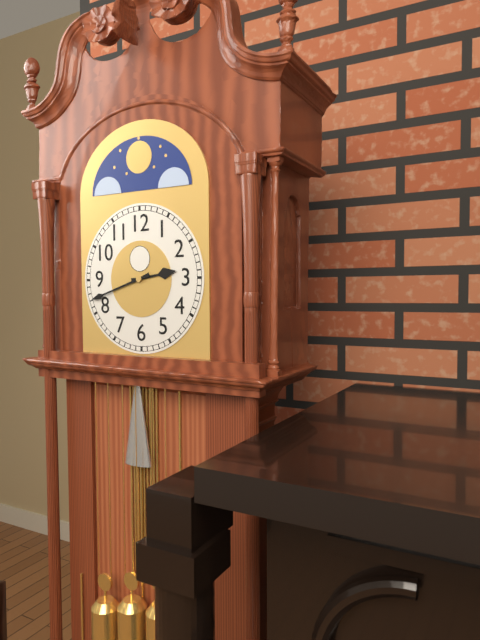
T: 2.42
